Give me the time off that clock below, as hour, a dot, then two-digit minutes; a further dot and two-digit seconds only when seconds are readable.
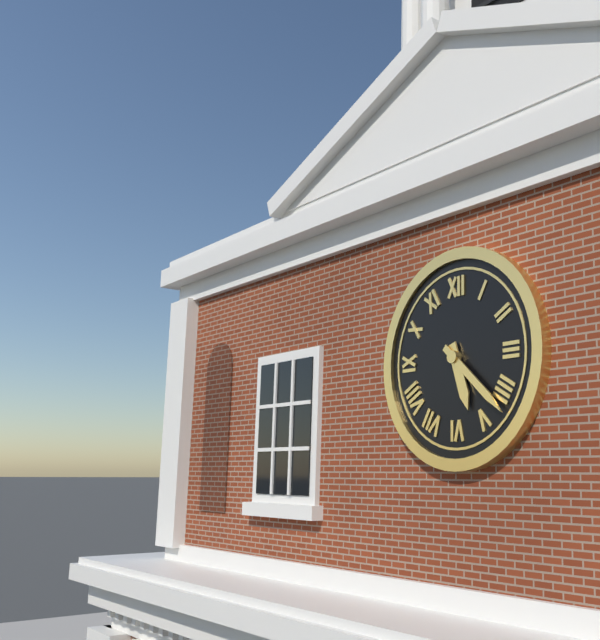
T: 5.22
